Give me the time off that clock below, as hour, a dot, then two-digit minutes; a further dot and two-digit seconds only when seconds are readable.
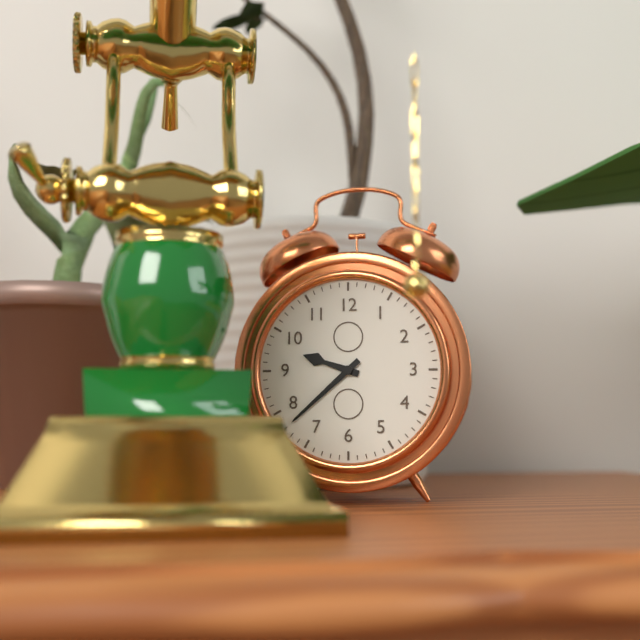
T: 9.38
